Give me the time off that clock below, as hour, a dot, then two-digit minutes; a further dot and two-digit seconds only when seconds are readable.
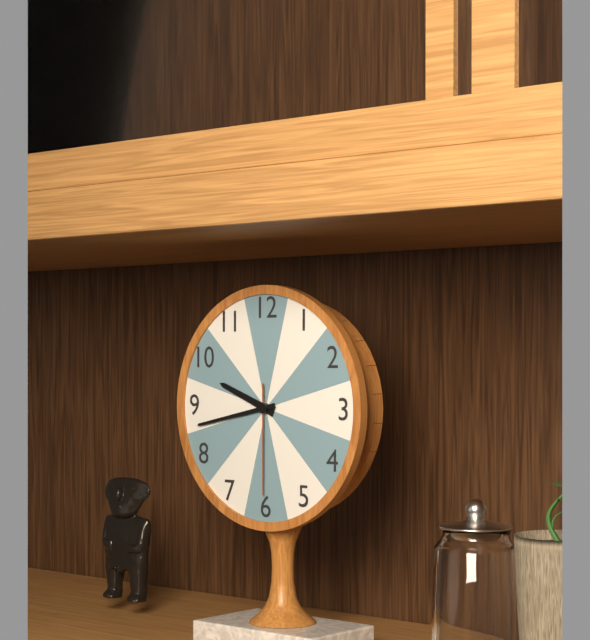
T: 9.43.30
